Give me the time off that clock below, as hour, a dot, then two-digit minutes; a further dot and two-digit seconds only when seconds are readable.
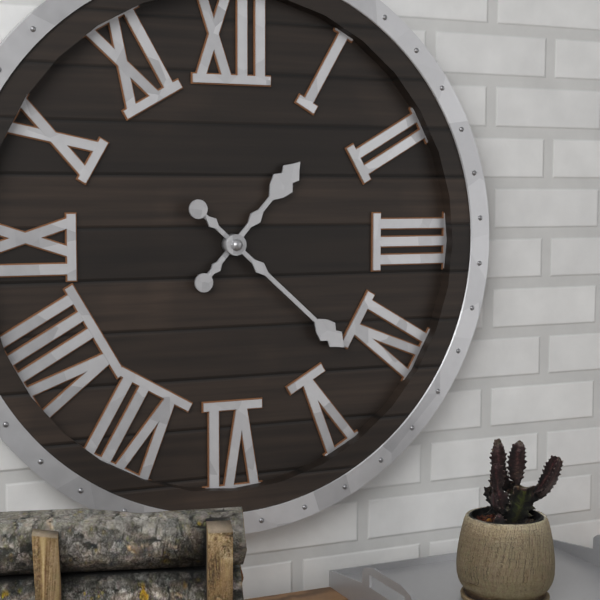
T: 1.22
